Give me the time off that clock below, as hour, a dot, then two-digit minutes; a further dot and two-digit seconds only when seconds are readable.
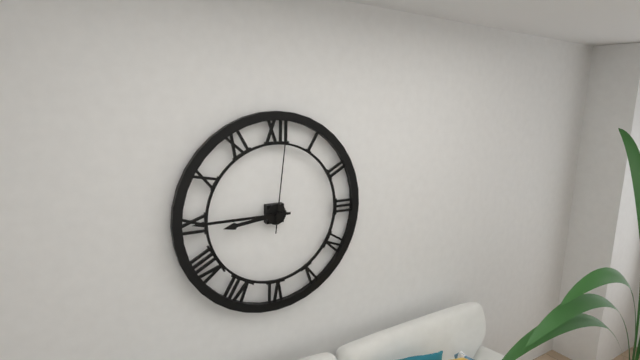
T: 8.45.01
